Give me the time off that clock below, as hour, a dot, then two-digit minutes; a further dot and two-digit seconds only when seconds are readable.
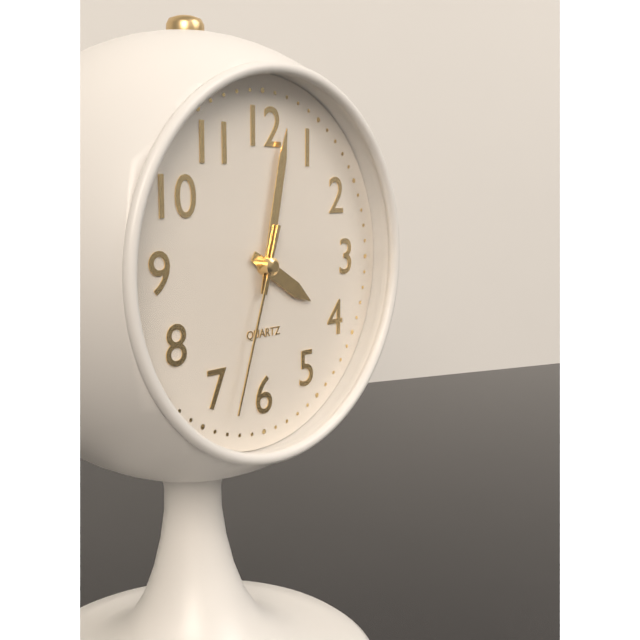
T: 4.02.33
